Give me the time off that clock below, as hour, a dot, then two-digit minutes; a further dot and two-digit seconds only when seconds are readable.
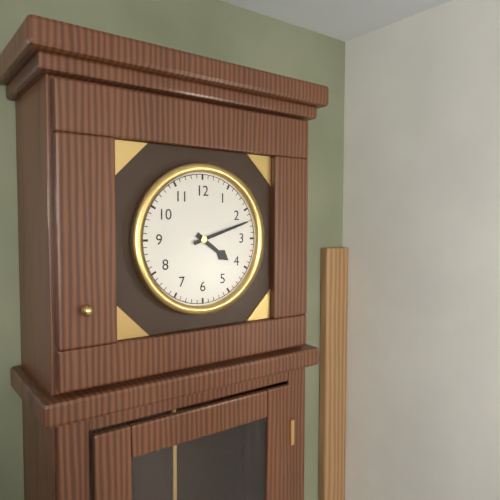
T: 4.12
